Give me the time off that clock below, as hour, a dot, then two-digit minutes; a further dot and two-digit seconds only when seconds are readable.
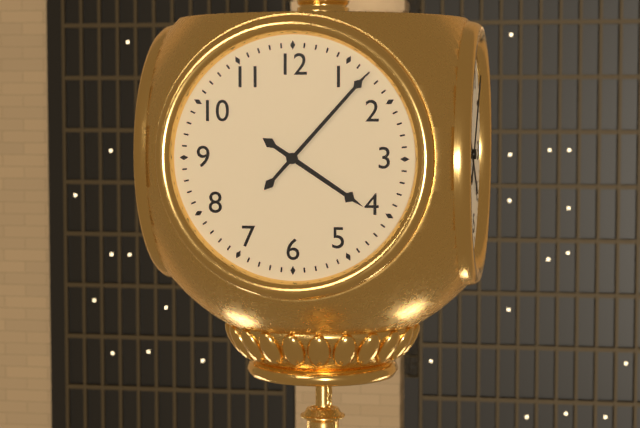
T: 4.07
